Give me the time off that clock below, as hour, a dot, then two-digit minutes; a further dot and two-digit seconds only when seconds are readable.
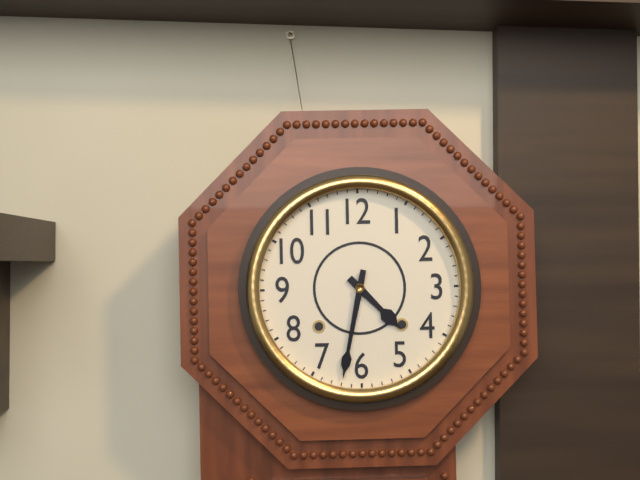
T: 4.32
